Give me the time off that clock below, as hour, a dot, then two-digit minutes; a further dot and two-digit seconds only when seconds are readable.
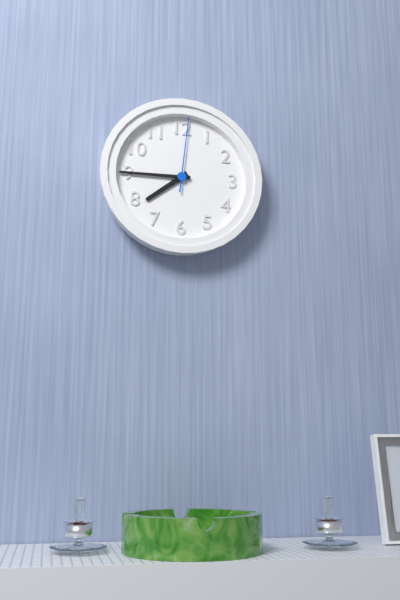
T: 7.45.01
